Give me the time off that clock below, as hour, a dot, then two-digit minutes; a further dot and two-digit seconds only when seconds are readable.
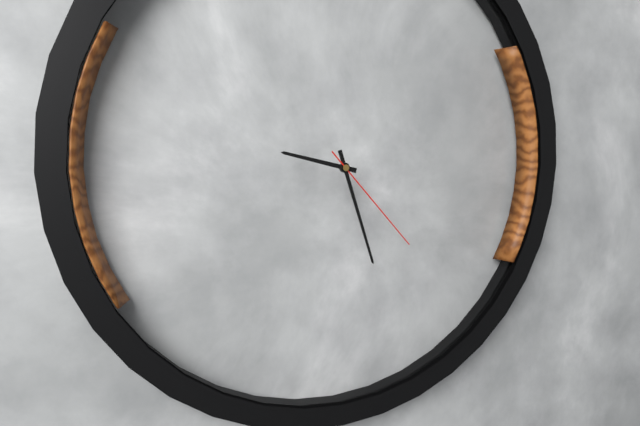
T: 9.27.23
